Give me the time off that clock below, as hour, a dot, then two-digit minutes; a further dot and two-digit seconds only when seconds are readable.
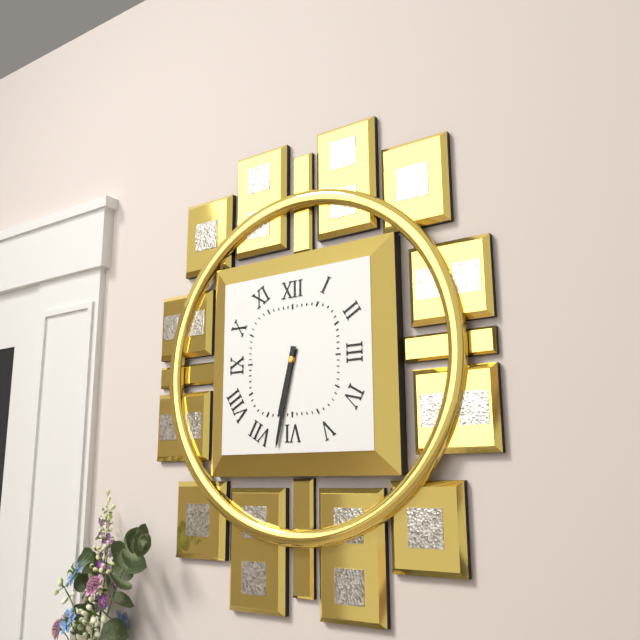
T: 6.32
